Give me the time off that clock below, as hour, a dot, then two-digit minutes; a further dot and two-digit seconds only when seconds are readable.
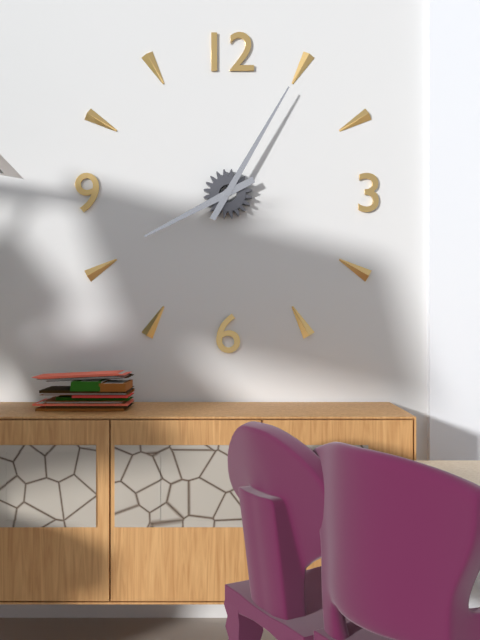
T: 8.05
